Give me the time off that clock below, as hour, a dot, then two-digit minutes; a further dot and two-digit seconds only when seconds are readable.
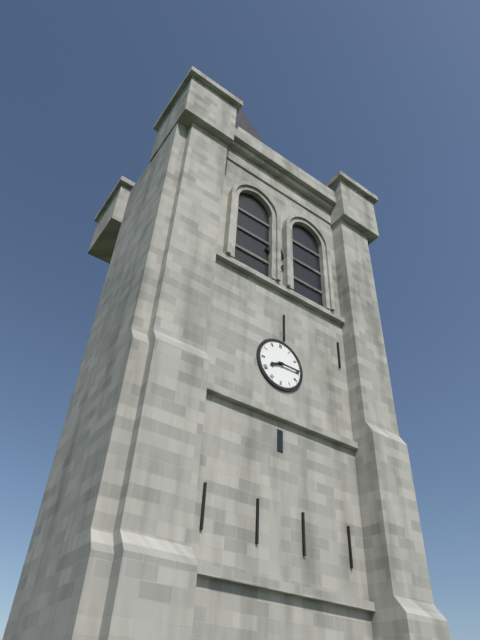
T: 8.15
